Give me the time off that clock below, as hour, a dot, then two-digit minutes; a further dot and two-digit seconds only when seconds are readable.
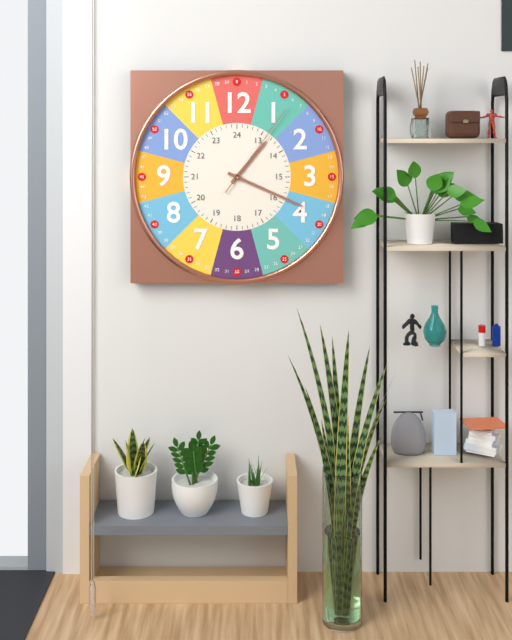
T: 1.19.06
